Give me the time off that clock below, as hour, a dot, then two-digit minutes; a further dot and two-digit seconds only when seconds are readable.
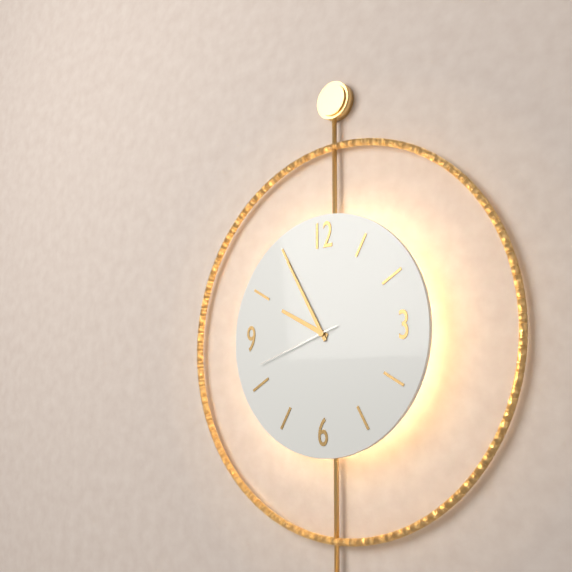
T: 9.55.42
